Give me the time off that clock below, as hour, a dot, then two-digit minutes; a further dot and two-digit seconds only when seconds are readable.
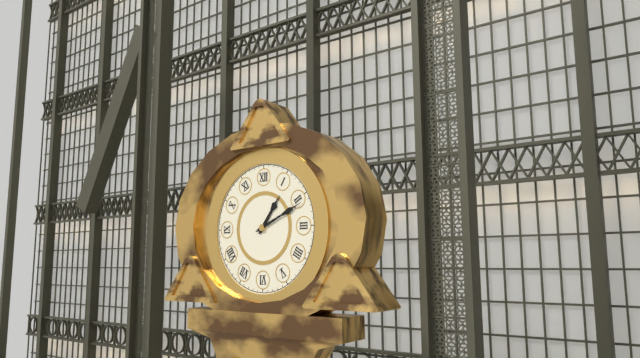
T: 1.11
